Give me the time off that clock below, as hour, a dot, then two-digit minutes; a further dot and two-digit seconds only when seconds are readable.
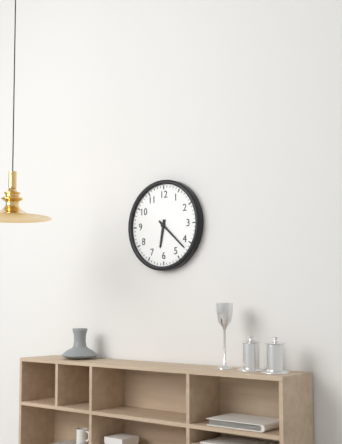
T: 6.22
